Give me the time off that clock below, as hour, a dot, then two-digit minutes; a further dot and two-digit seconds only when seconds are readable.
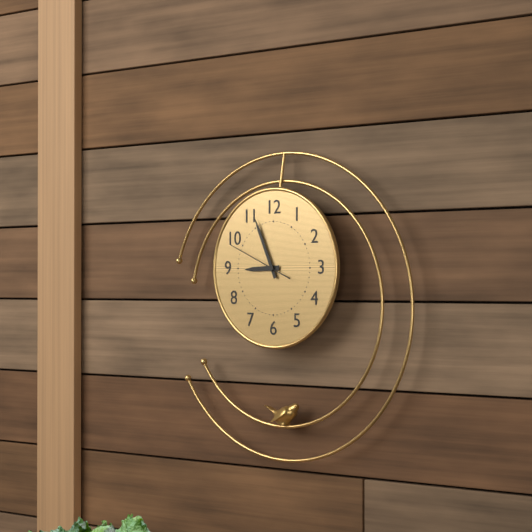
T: 8.56.49
